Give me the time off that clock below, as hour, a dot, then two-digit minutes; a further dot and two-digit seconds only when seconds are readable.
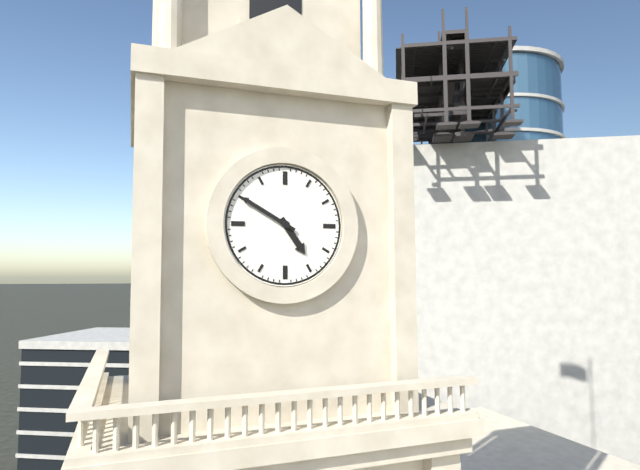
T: 4.50
